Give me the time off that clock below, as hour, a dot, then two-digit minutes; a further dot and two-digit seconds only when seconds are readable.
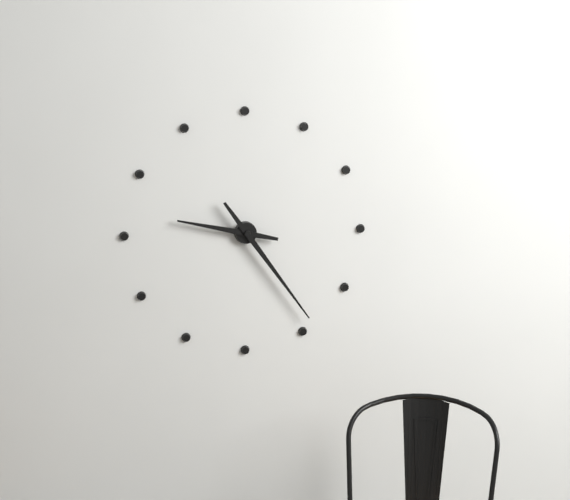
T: 9.24
